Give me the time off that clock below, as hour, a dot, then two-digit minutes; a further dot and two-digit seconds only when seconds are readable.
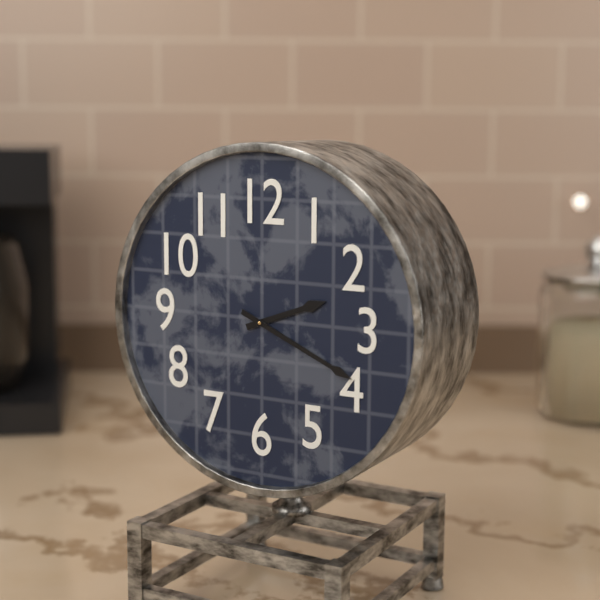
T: 2.19
